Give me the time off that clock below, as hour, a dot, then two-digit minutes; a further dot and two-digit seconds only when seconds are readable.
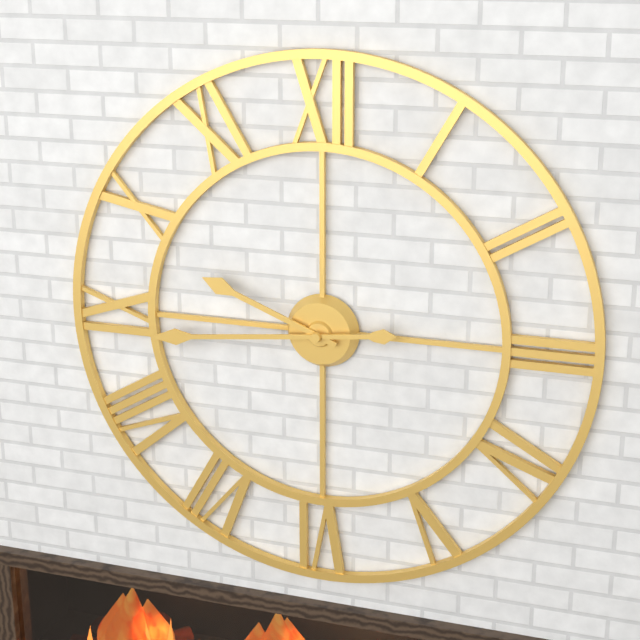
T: 9.44
